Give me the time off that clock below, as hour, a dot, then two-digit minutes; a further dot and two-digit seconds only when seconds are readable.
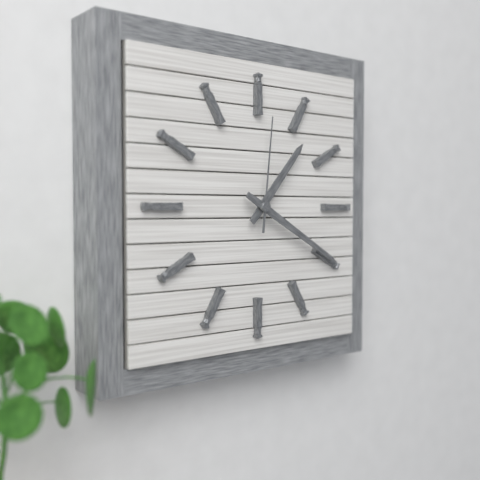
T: 1.20.01
